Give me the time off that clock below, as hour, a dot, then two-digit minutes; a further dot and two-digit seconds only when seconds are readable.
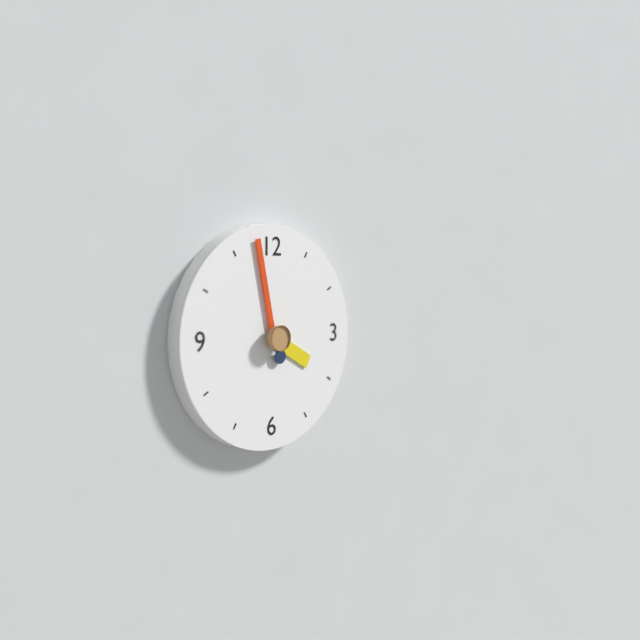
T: 3.58
